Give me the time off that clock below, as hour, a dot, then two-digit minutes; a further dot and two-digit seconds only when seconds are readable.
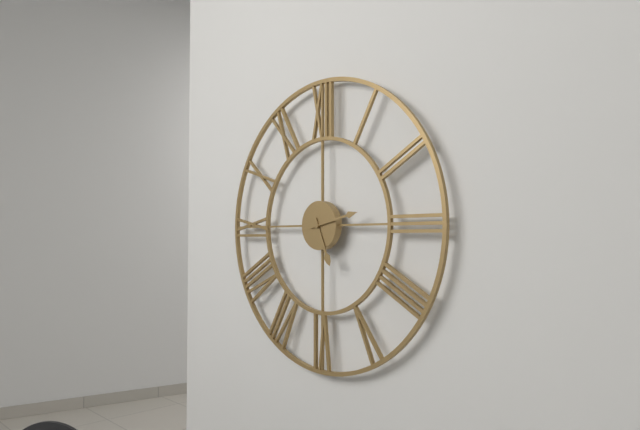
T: 5.13
